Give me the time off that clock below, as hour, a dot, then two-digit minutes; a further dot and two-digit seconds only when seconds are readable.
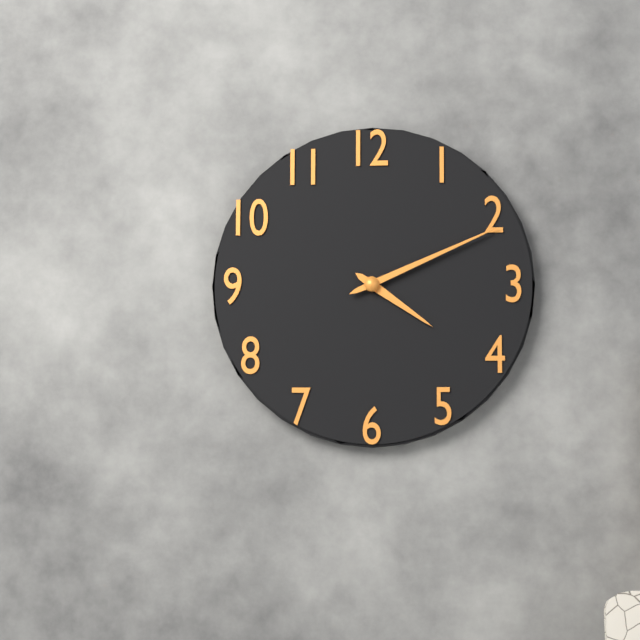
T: 4.11
